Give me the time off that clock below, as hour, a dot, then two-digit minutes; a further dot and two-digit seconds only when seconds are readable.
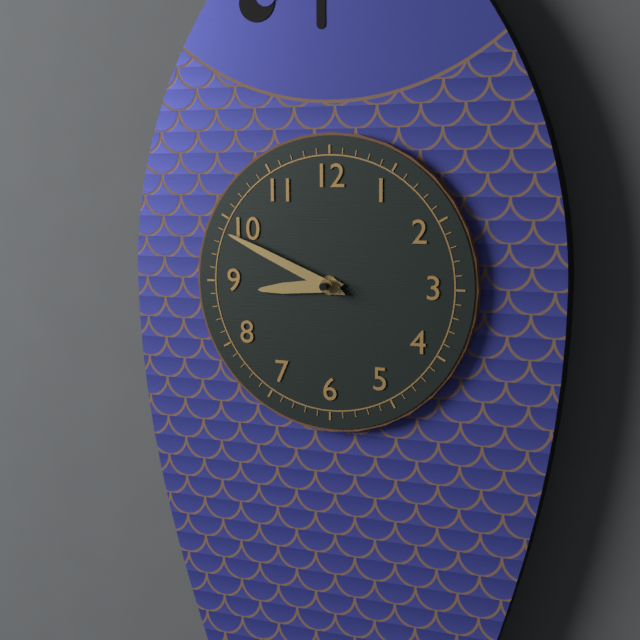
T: 8.49
